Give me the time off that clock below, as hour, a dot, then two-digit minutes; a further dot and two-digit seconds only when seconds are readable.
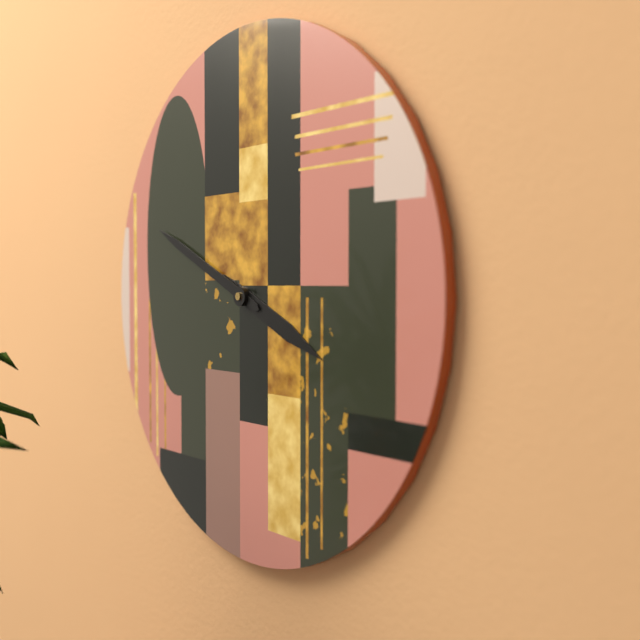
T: 3.49
